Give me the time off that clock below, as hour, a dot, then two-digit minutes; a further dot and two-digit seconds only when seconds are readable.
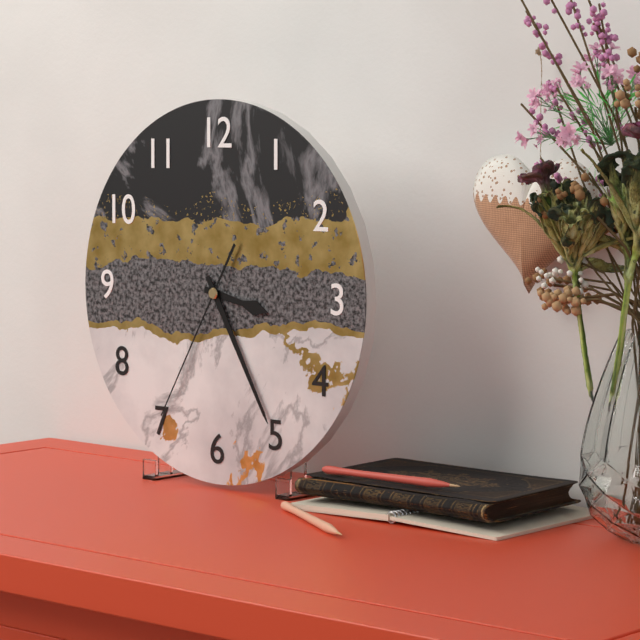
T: 3.25.35
